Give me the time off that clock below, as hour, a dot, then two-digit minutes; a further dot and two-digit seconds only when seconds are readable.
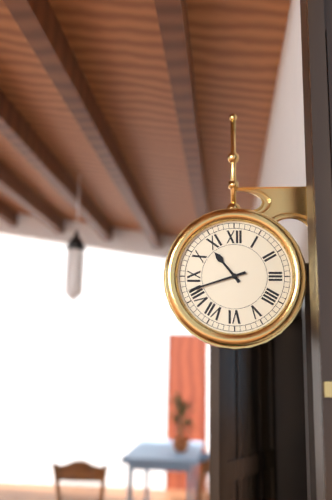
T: 10.42
